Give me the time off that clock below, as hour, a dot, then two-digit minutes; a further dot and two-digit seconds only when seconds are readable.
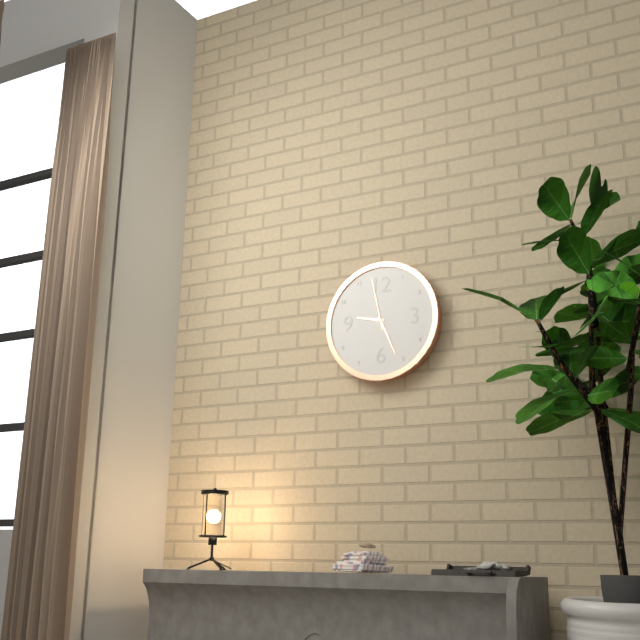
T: 9.26.58
